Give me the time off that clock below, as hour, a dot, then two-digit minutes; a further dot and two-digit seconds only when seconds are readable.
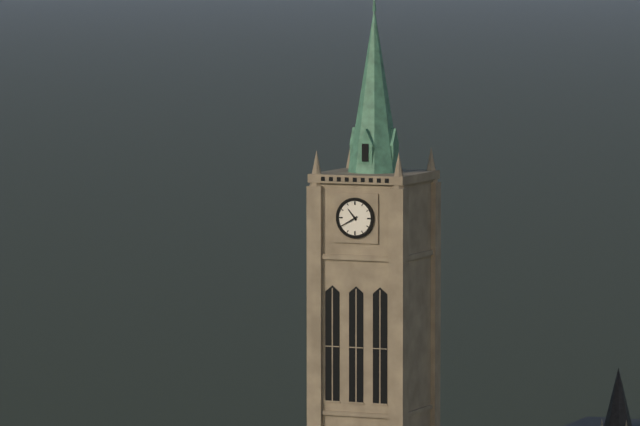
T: 10.40
